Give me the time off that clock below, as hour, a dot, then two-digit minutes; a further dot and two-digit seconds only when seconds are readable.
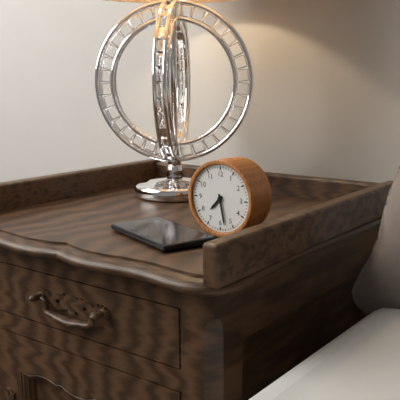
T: 7.28
